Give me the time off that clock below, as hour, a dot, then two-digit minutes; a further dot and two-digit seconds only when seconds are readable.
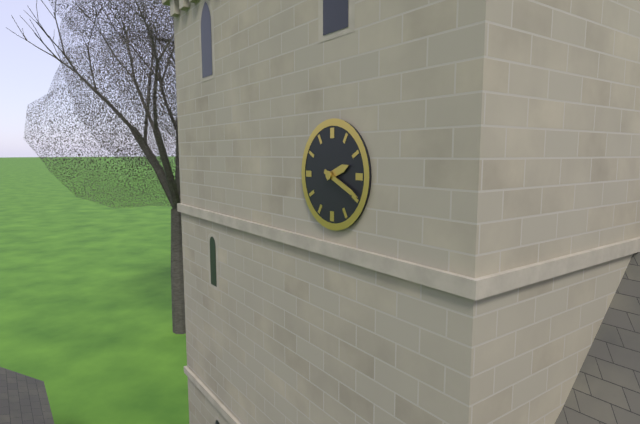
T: 2.19
